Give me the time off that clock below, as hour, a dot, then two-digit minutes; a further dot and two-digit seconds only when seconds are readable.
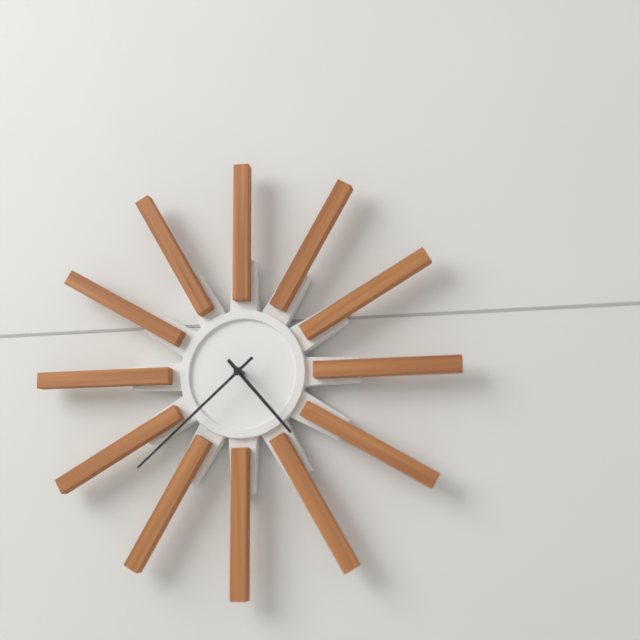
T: 4.38
